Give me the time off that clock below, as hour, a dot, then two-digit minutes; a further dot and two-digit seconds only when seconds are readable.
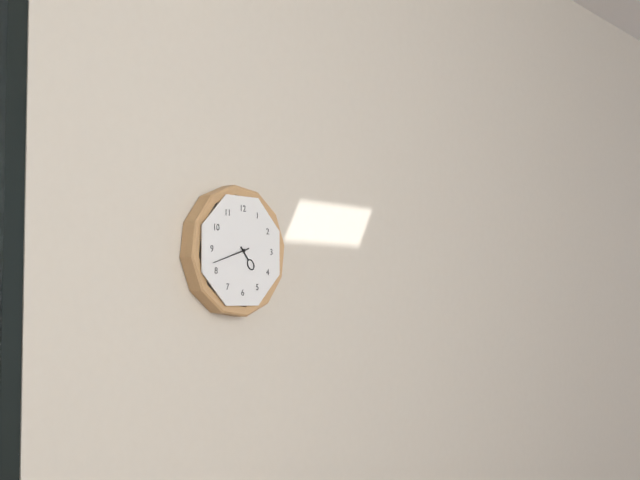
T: 4.42
